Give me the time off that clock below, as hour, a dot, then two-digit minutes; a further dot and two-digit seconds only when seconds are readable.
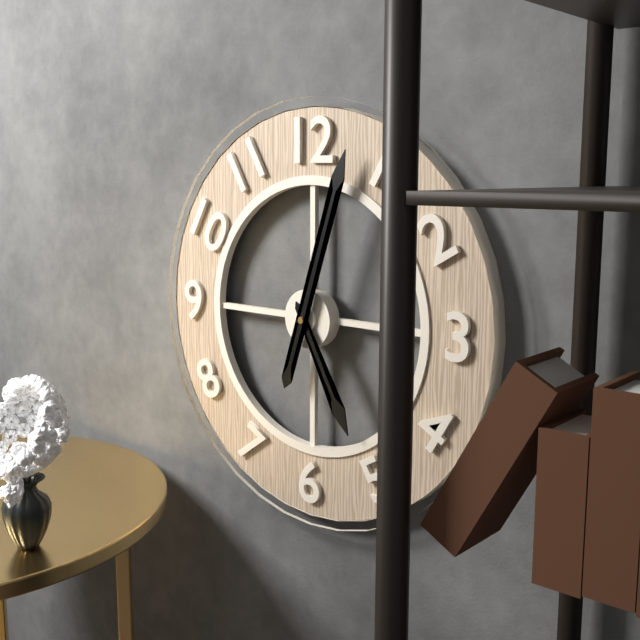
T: 5.03
